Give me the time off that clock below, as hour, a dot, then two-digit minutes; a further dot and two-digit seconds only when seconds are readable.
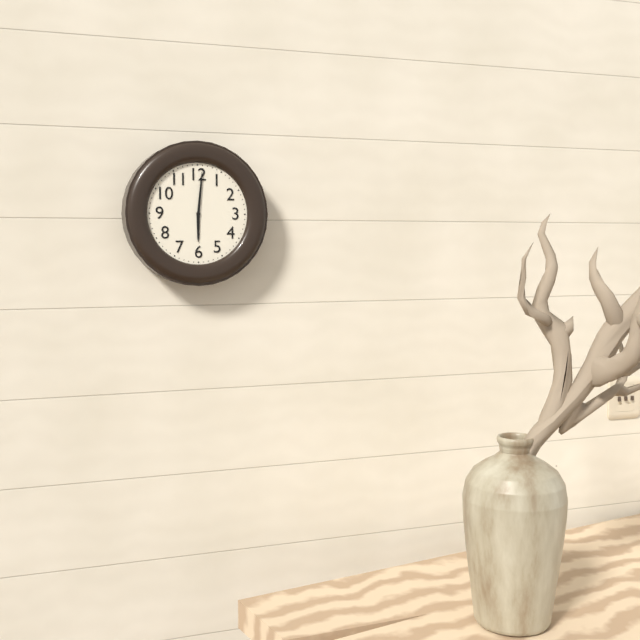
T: 6.01
